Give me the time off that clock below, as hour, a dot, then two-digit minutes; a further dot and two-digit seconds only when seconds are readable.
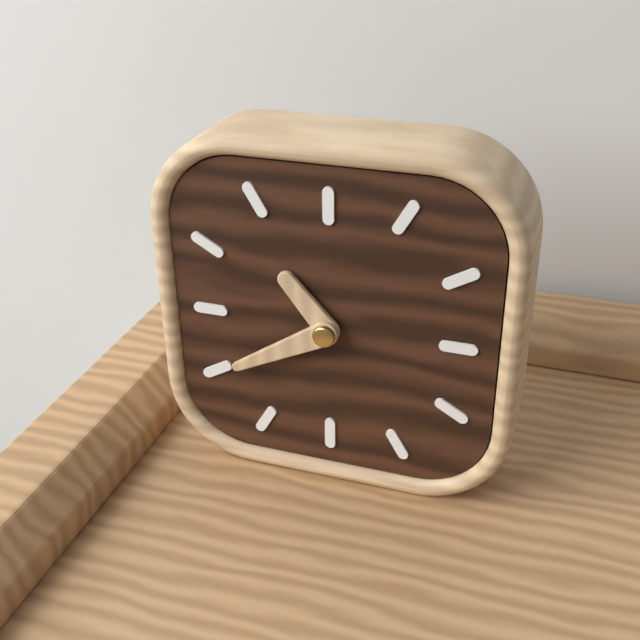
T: 10.40
